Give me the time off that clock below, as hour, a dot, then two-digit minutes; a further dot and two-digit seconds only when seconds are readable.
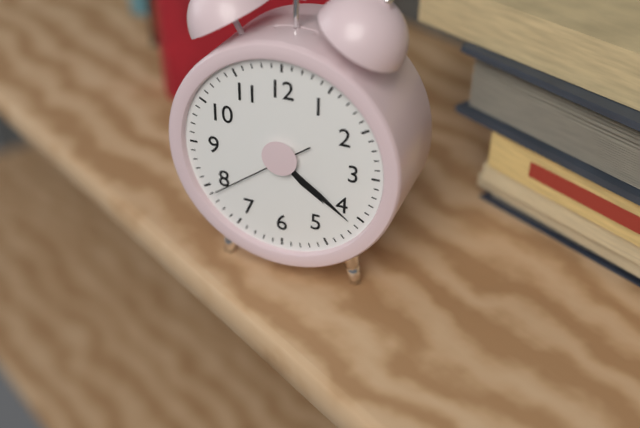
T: 4.21.39
